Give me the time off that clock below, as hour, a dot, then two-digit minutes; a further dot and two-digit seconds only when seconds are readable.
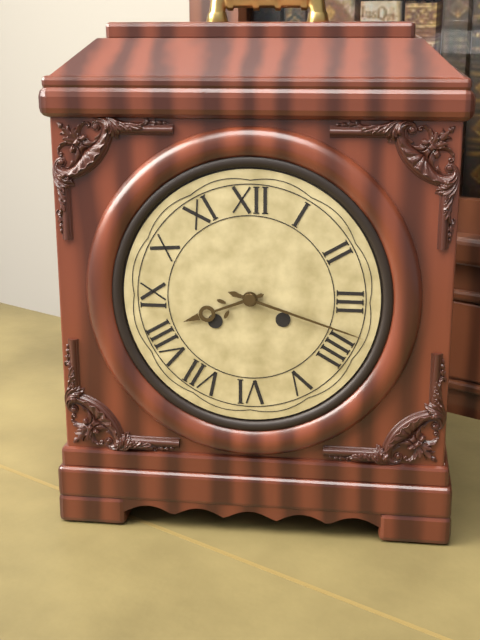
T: 8.18
